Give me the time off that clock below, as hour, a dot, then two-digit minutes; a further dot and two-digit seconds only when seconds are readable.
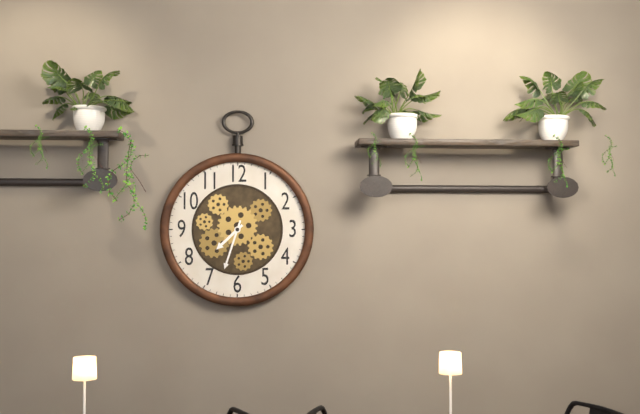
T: 7.33
